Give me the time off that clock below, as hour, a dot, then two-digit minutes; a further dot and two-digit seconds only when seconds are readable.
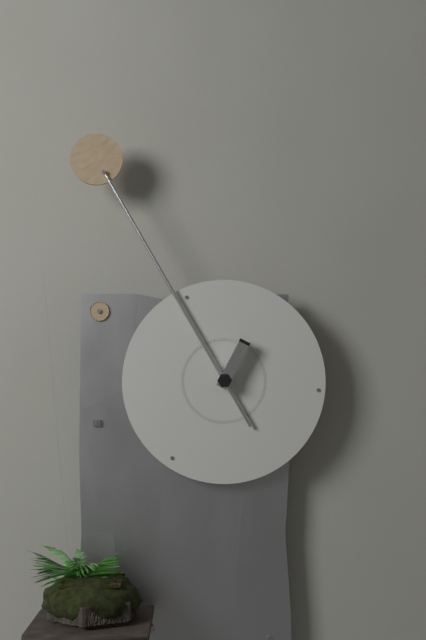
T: 12.55
